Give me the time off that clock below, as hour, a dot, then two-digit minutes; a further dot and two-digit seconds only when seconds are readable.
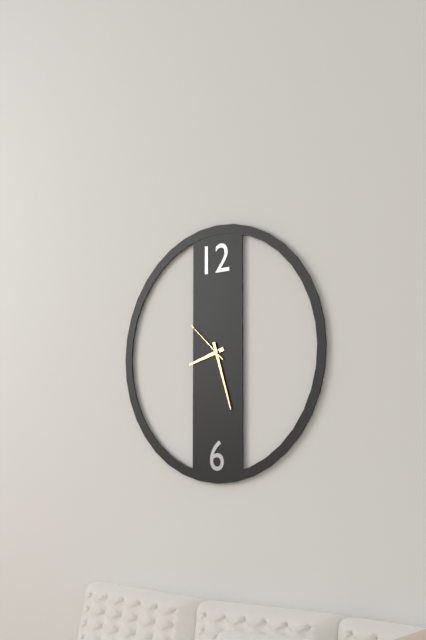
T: 8.27
